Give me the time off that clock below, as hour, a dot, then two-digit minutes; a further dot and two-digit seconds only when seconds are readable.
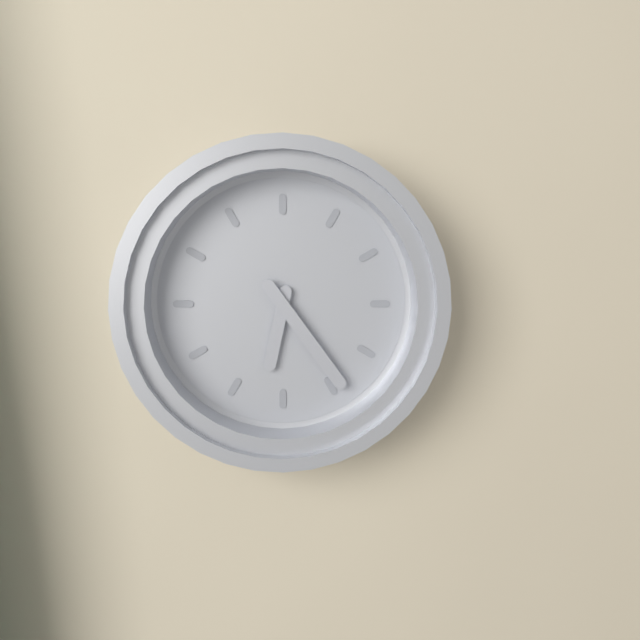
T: 6.24
